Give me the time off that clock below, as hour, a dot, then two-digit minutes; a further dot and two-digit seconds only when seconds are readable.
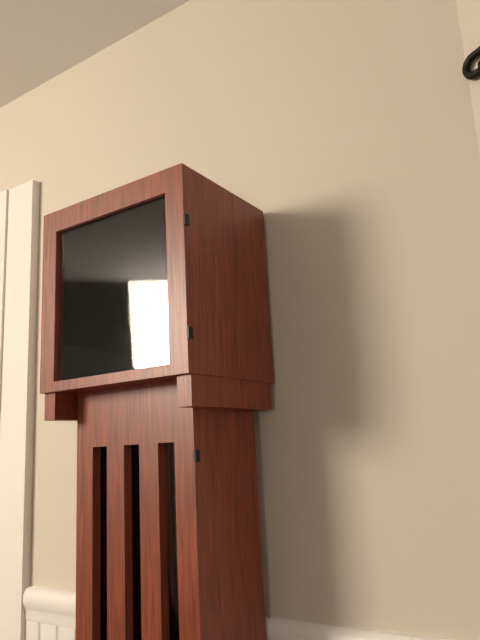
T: 6.30
